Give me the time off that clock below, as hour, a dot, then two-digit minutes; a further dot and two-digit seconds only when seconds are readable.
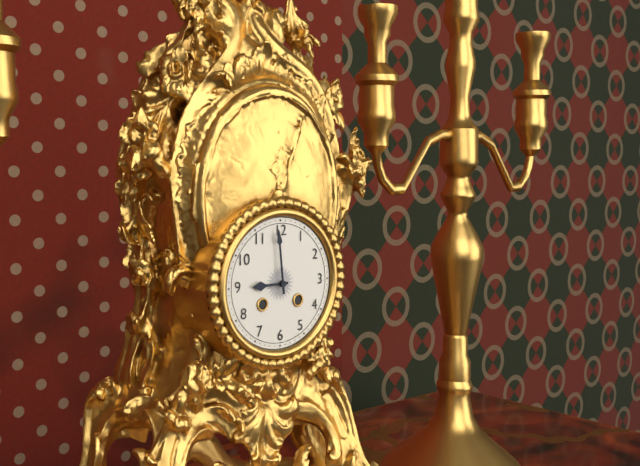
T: 8.59
